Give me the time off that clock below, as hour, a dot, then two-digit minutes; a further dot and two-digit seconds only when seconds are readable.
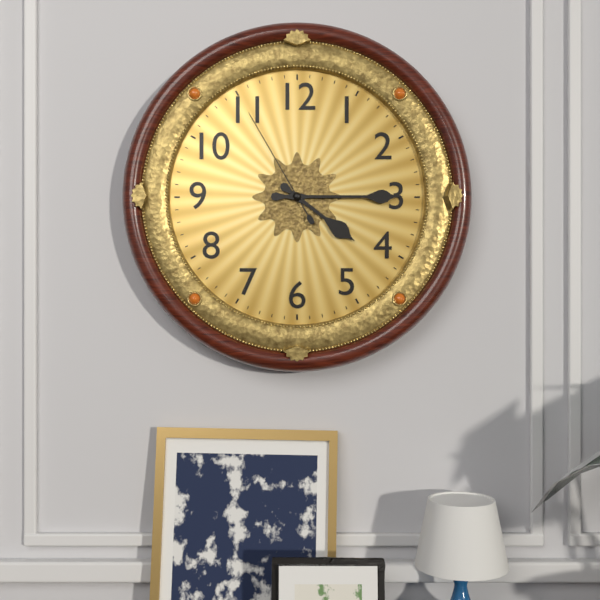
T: 4.15.55
